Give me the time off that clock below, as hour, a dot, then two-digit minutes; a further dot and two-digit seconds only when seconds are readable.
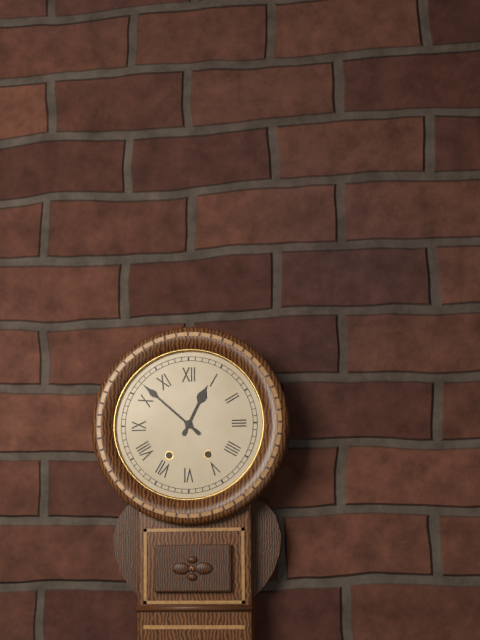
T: 12.52
